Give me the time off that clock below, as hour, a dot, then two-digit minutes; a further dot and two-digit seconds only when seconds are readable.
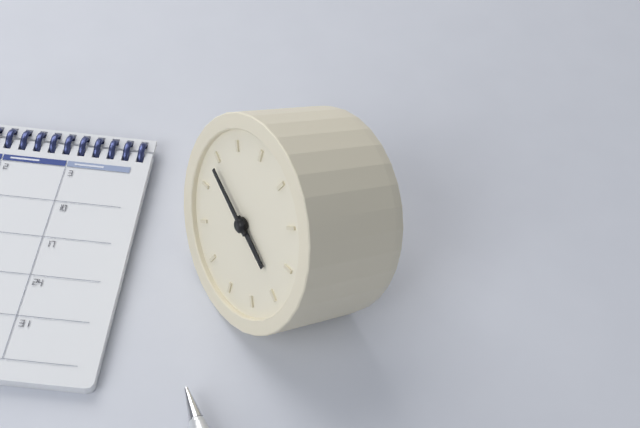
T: 3.49
